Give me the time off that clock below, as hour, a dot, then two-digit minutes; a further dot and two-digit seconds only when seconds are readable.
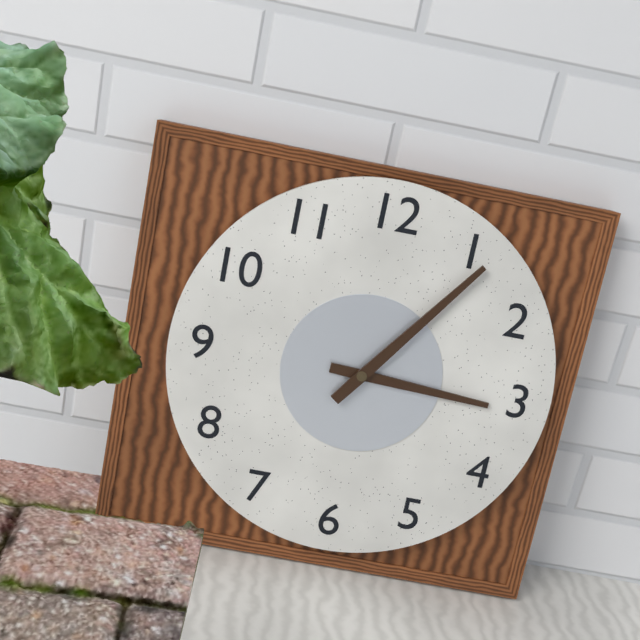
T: 3.06
